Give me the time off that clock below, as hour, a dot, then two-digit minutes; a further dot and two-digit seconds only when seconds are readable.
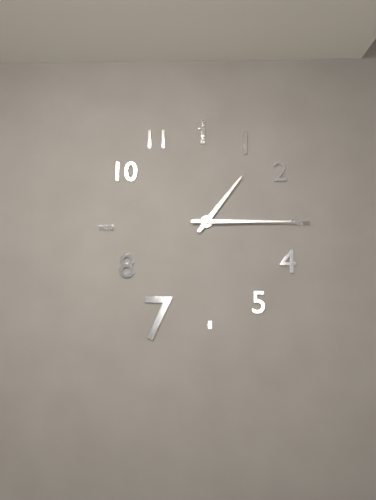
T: 1.15
